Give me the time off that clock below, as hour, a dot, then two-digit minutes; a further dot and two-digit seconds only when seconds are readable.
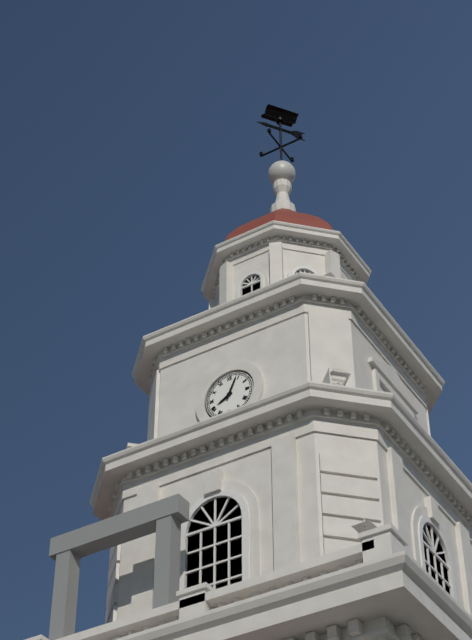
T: 8.04
